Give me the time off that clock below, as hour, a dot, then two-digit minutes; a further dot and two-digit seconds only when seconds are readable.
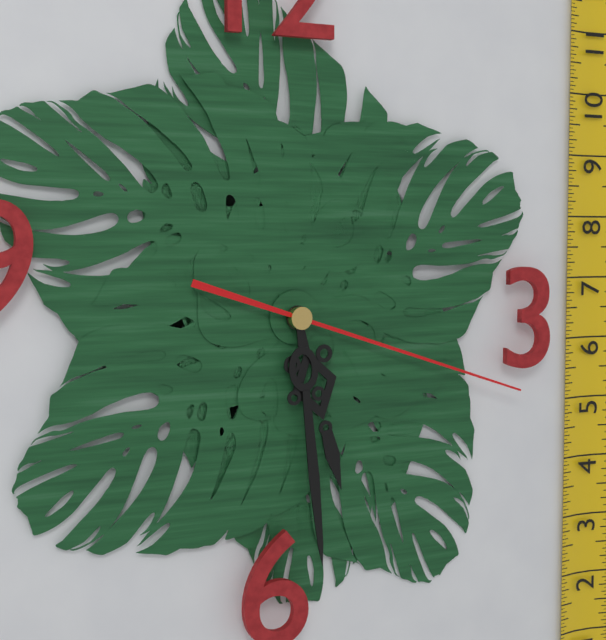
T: 5.29.18
